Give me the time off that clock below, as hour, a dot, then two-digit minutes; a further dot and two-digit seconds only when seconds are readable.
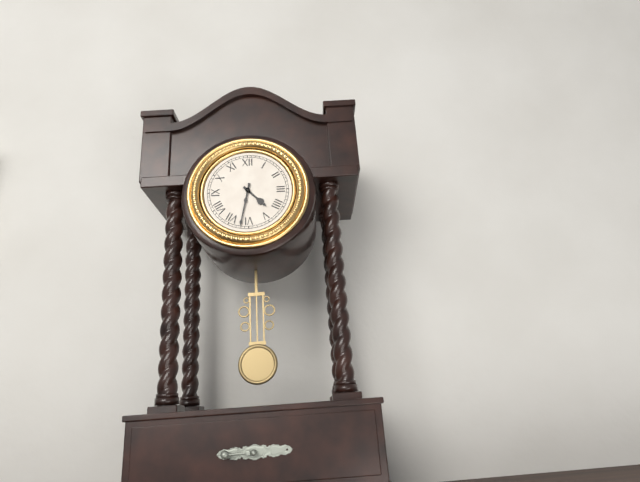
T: 4.32
